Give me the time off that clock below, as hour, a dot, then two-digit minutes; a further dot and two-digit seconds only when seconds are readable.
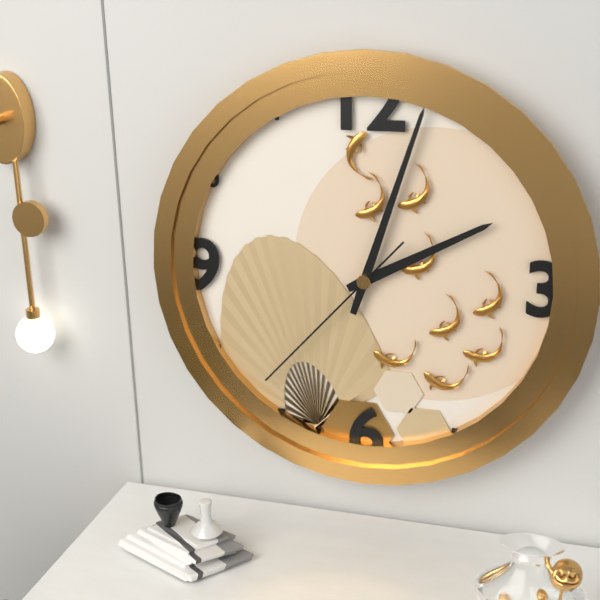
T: 2.03.37
